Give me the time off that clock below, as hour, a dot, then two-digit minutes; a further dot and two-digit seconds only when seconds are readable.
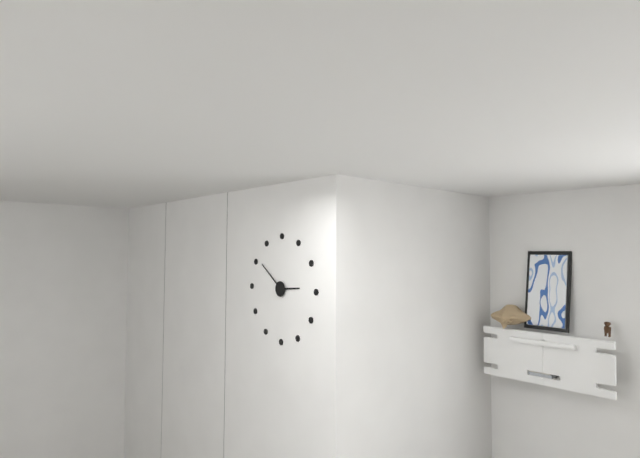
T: 2.51
